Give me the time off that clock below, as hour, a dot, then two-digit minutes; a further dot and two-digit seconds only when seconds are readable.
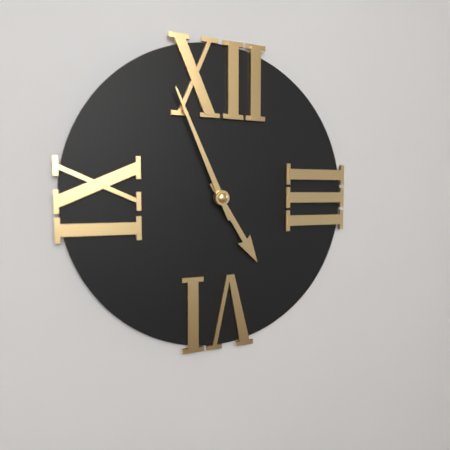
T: 4.56
